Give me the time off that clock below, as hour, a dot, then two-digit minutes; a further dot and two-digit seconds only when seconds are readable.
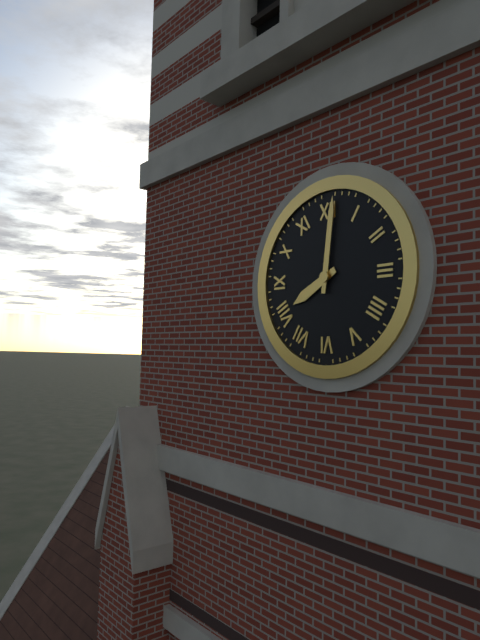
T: 8.01
